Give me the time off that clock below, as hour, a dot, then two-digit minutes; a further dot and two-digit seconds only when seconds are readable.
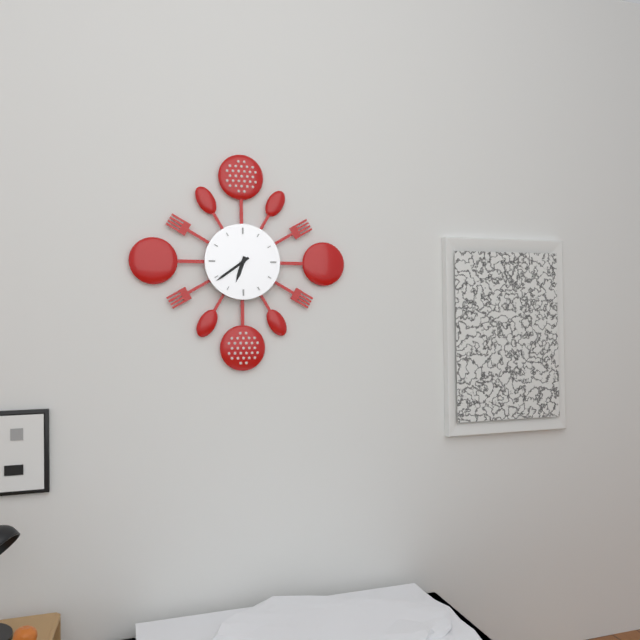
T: 6.39
